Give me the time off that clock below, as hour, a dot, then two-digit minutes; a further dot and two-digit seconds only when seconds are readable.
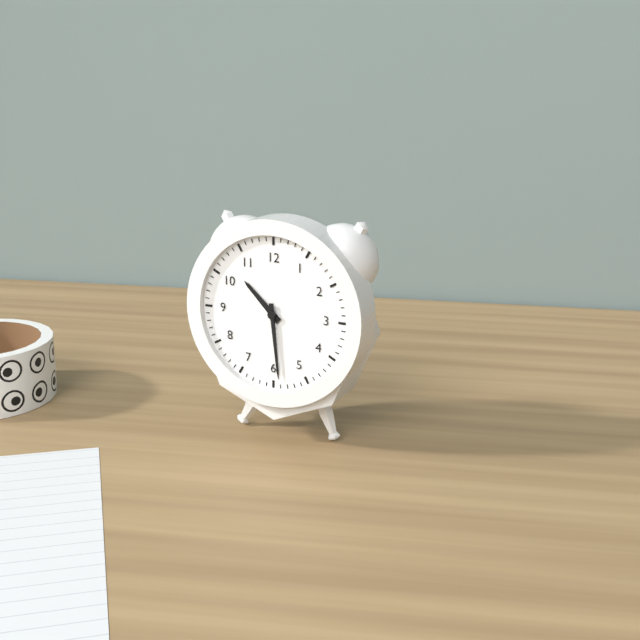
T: 10.29
